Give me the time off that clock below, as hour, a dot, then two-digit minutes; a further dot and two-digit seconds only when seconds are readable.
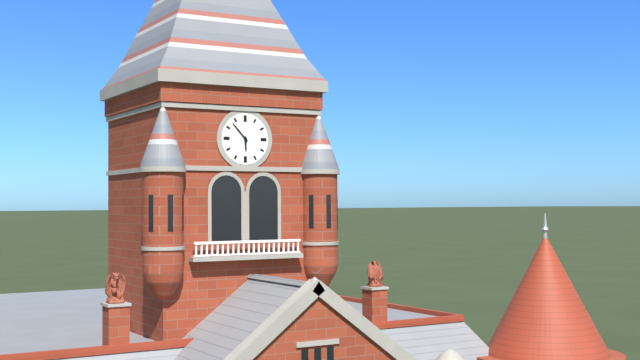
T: 5.53
